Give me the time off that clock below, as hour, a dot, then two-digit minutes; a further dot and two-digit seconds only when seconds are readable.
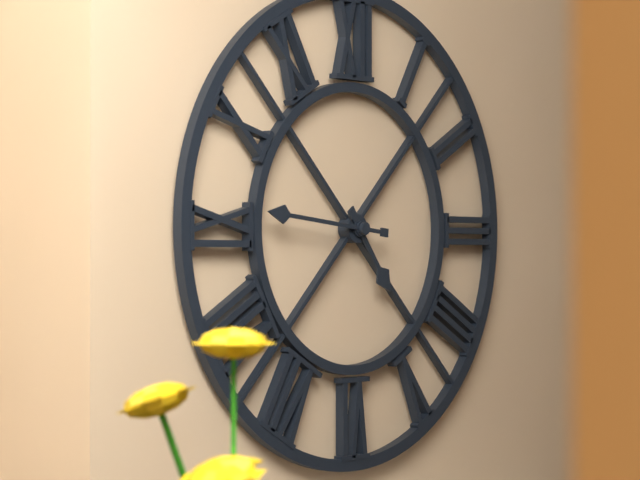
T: 4.46
